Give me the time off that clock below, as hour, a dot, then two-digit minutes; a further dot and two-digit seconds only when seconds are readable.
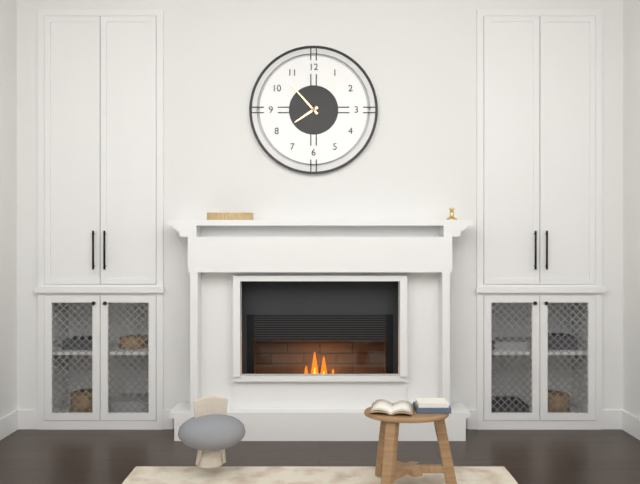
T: 7.53
